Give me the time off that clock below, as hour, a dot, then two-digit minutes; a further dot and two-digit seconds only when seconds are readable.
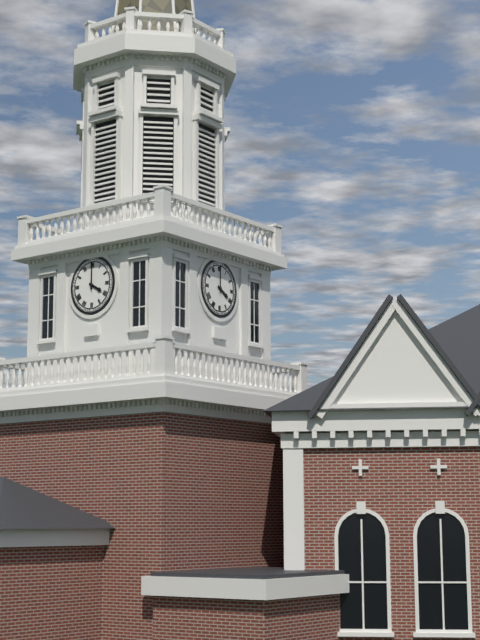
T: 4.00
